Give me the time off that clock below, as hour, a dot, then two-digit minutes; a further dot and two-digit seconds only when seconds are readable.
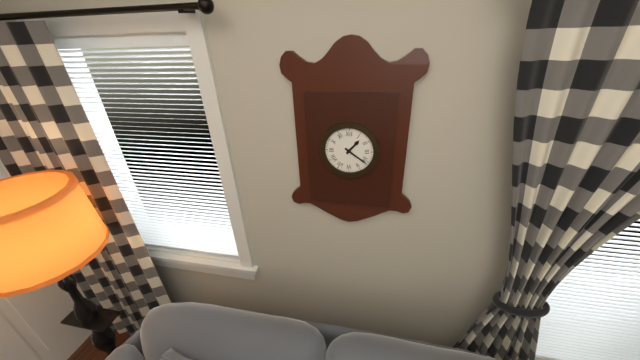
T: 1.21
